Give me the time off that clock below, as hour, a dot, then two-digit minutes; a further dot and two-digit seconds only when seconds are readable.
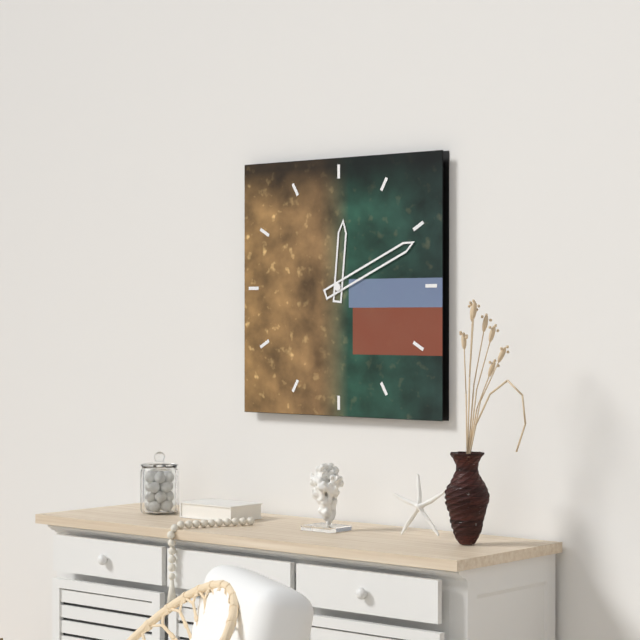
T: 12.11
